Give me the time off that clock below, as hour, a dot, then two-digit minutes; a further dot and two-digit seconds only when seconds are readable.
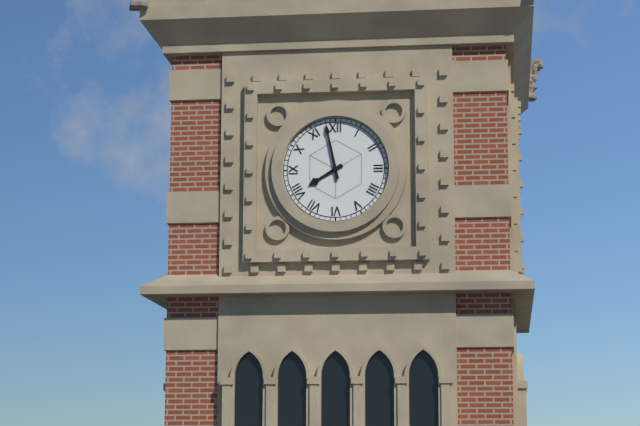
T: 7.58
